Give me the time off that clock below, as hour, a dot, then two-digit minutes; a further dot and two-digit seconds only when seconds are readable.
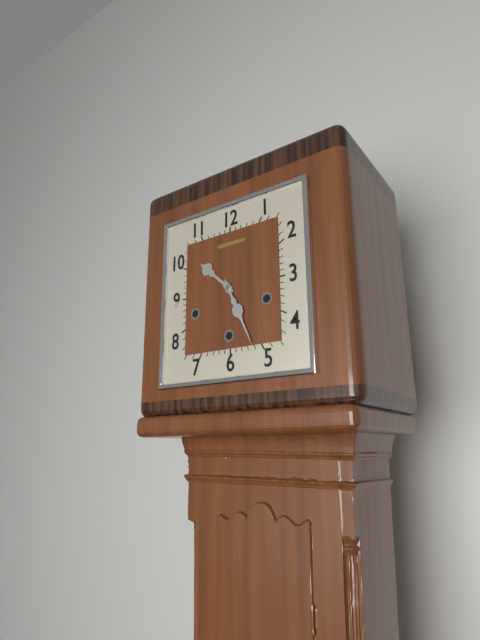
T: 10.26
